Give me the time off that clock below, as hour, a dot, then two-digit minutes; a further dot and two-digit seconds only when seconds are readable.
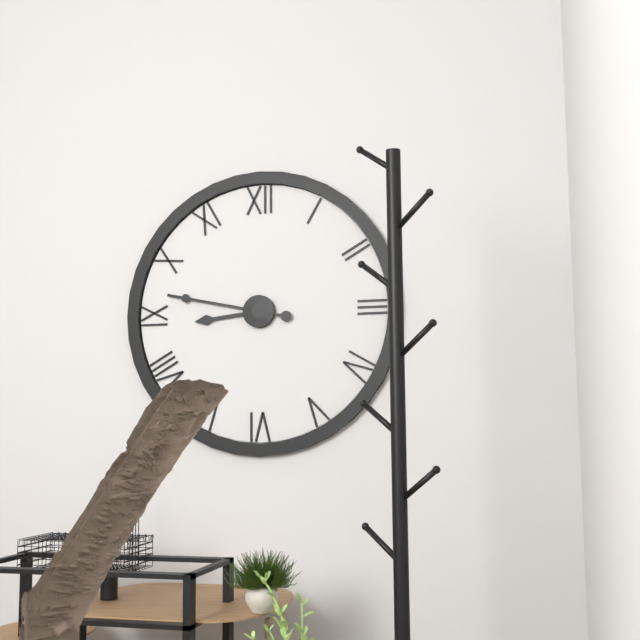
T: 8.47
